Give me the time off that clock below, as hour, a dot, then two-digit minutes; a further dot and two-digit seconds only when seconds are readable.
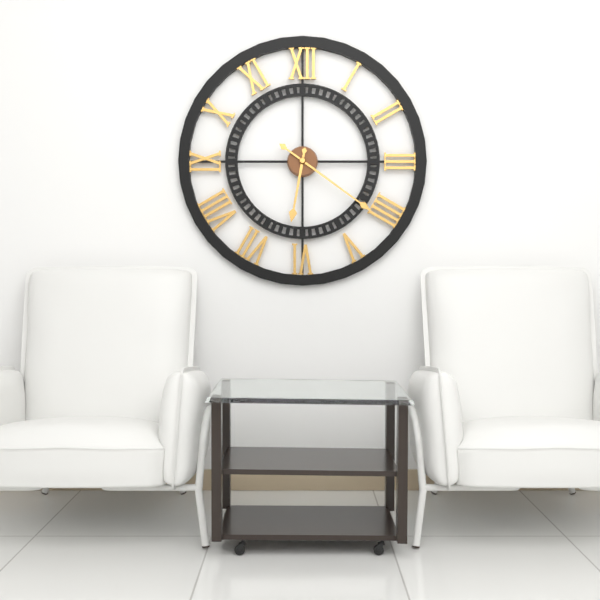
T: 6.21
